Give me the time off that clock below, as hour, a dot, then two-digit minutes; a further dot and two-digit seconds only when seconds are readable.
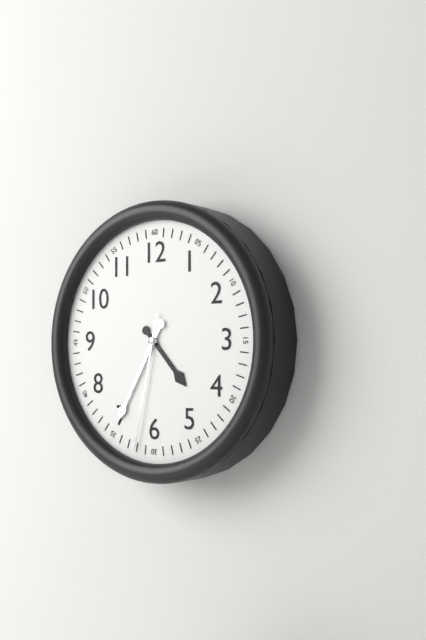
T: 4.35.32
